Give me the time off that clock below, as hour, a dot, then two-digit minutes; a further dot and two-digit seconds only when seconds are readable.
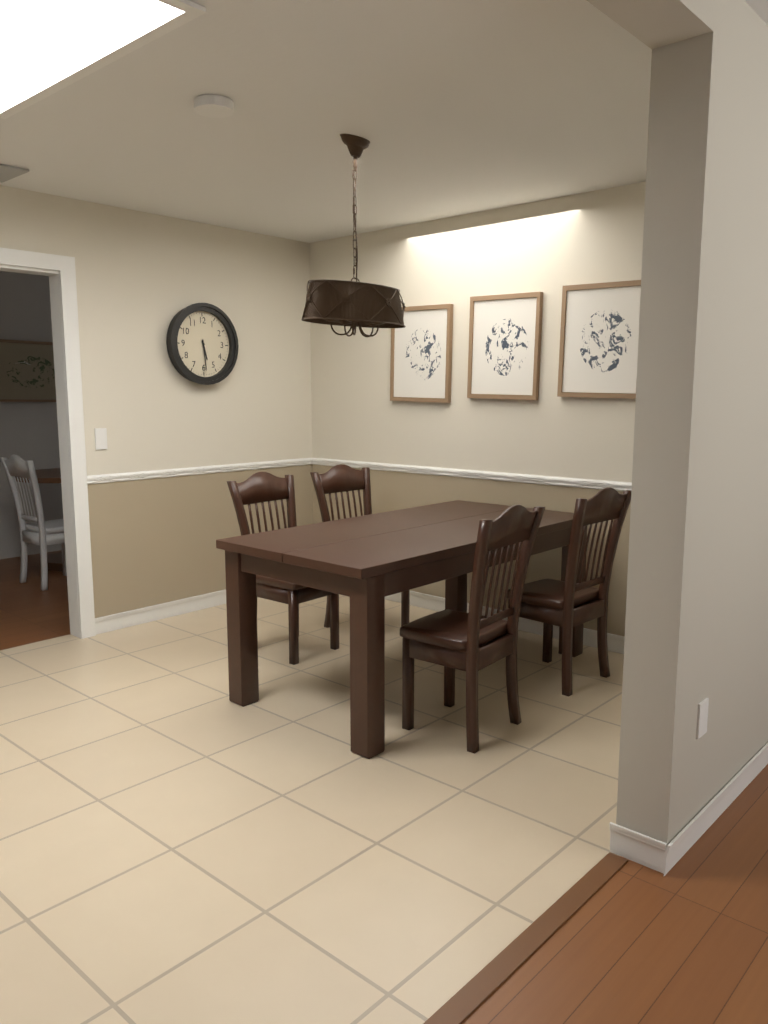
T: 5.29
